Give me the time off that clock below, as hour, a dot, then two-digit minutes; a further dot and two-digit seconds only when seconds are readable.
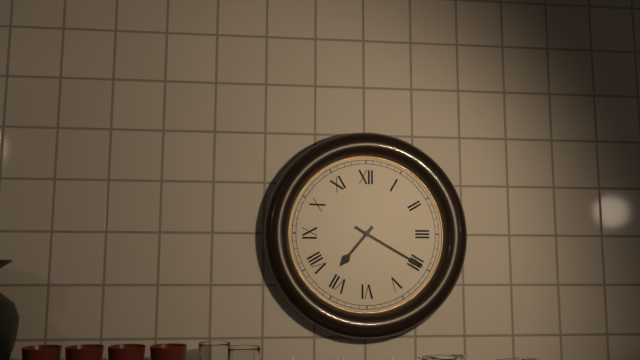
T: 7.20
